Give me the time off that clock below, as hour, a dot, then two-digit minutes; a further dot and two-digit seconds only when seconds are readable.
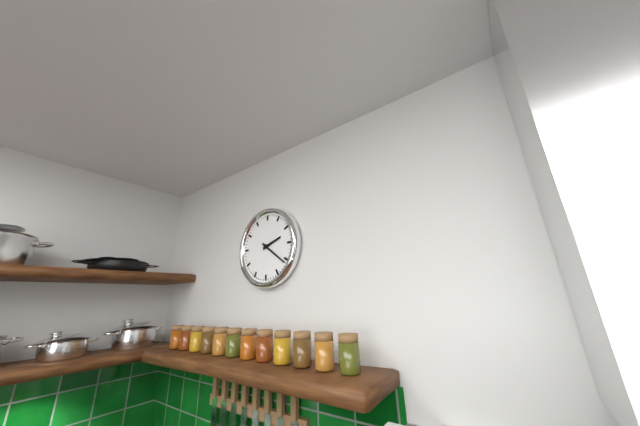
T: 2.21
